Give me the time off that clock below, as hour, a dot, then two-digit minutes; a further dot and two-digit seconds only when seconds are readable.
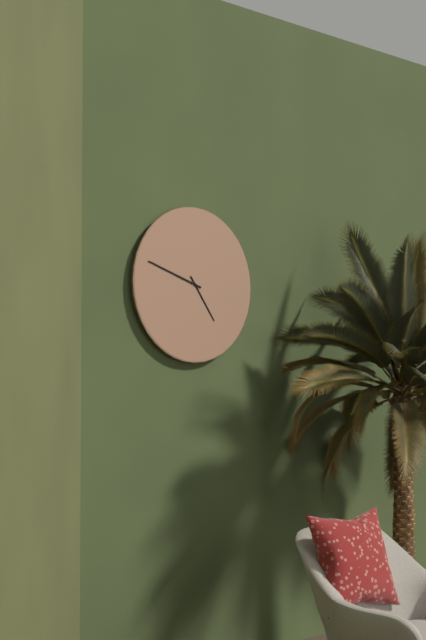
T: 4.48
